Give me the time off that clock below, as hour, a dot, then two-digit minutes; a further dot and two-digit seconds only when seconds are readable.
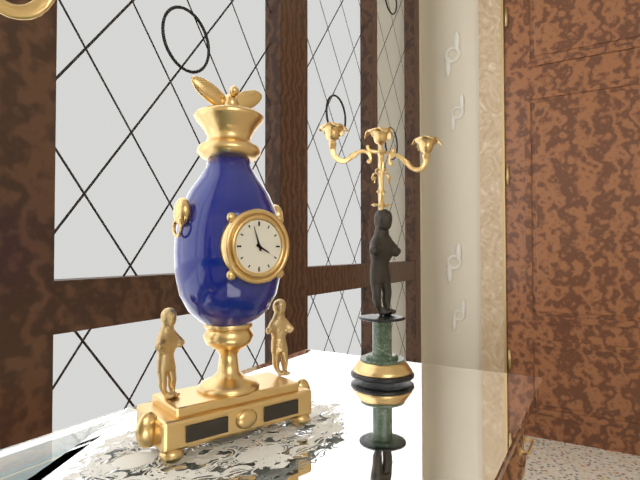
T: 3.57
